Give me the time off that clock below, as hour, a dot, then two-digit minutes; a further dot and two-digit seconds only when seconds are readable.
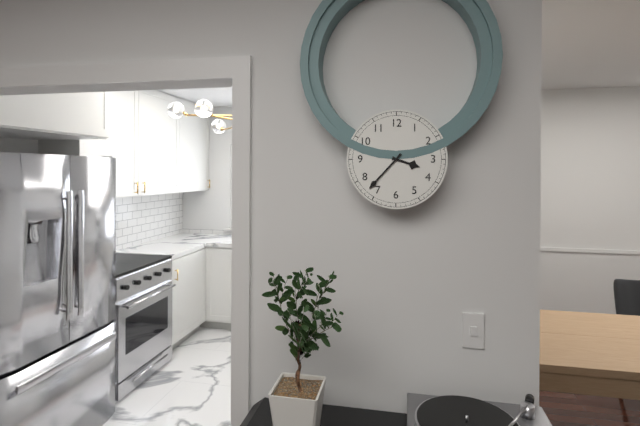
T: 3.37
